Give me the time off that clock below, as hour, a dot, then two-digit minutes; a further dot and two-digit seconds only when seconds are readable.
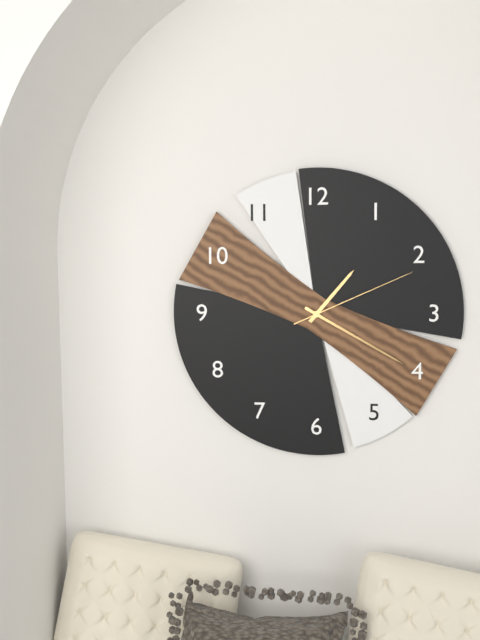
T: 1.20.11
